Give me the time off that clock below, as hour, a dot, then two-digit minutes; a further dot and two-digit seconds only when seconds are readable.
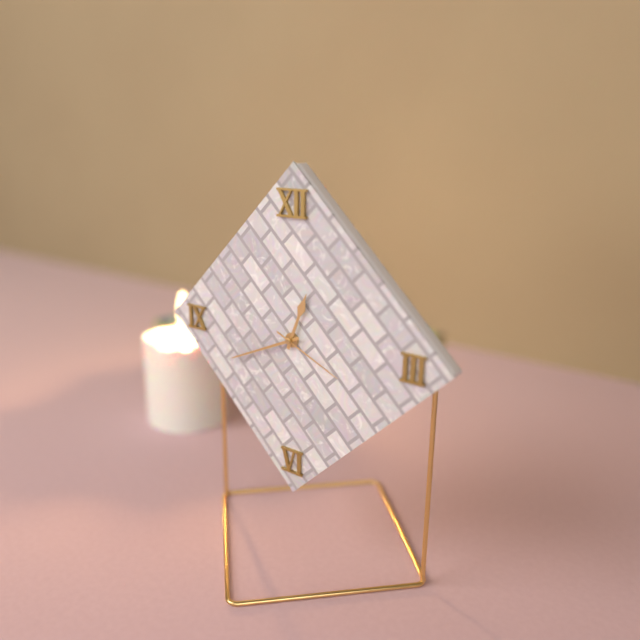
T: 12.41.19
